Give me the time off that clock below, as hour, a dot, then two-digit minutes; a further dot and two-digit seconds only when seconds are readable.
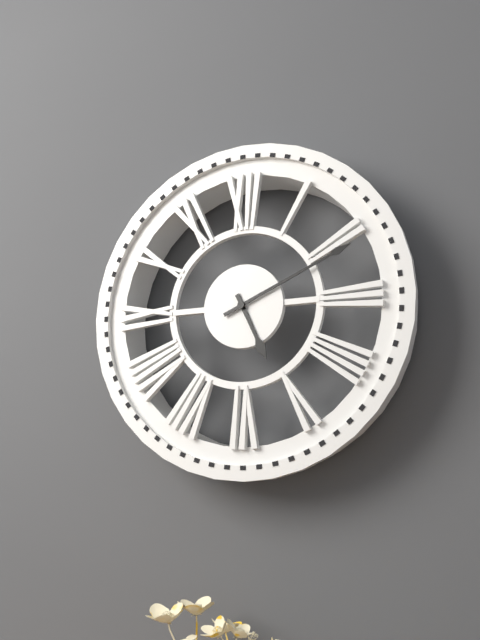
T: 5.11
